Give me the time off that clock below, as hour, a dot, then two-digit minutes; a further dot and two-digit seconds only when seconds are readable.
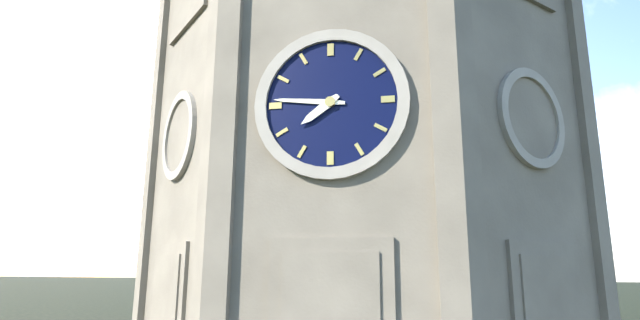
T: 7.46
